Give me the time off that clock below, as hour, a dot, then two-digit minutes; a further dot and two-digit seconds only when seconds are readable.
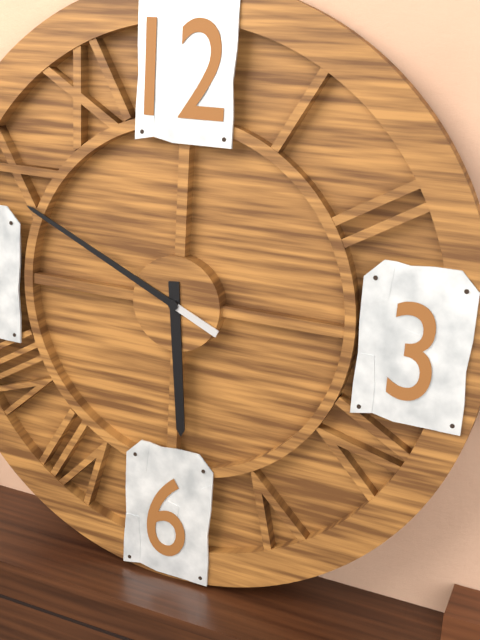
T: 5.49
